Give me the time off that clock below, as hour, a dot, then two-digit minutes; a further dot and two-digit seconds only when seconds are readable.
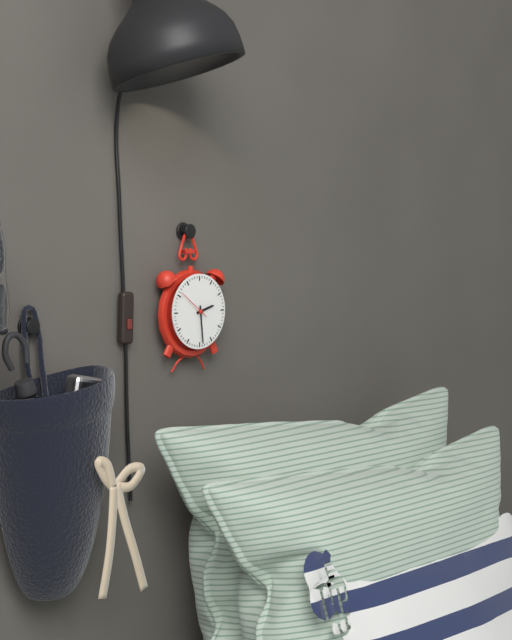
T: 2.29
